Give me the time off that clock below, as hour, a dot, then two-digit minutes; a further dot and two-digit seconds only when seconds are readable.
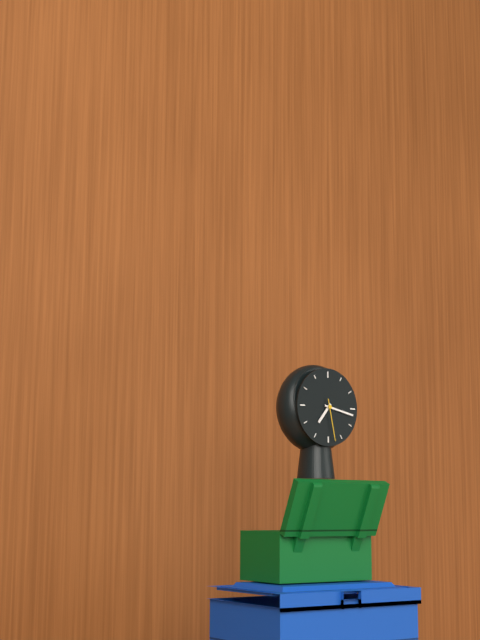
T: 7.17
